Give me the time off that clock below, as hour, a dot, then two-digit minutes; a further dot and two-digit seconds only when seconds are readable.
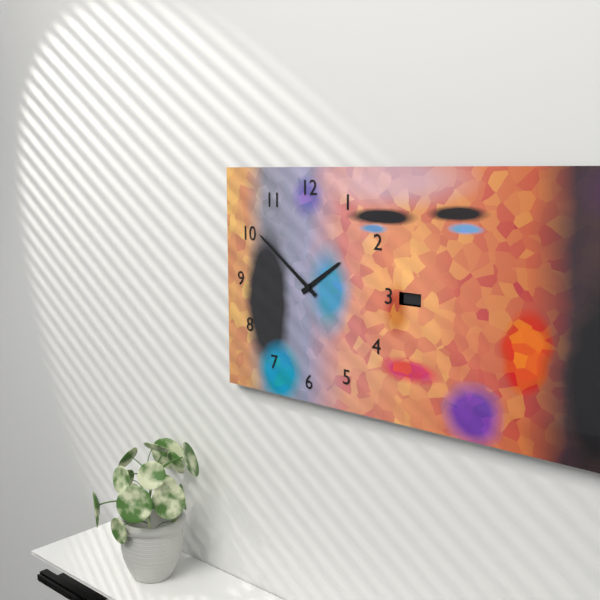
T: 1.51
